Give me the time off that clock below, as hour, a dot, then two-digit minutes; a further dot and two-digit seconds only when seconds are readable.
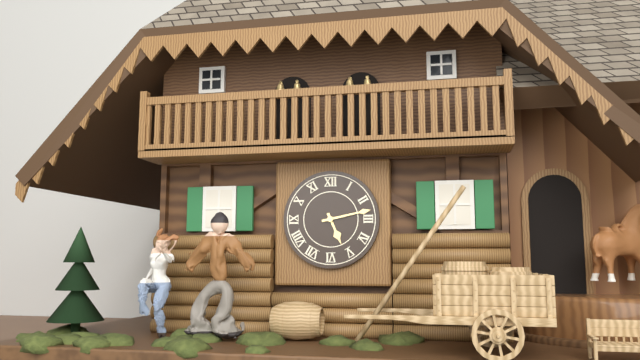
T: 5.13
